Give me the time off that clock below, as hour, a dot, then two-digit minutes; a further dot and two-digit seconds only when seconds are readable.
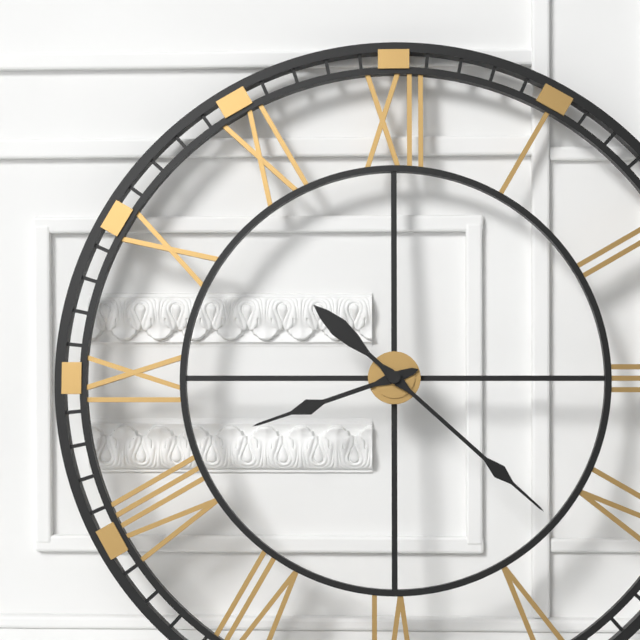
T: 8.22
